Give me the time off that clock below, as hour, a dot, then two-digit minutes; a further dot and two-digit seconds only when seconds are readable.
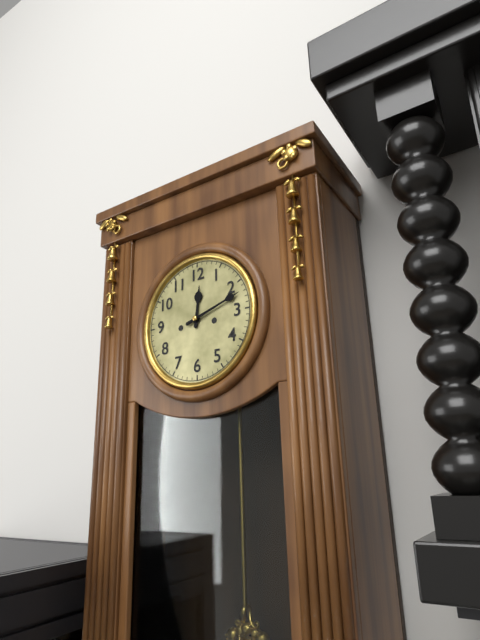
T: 12.12
